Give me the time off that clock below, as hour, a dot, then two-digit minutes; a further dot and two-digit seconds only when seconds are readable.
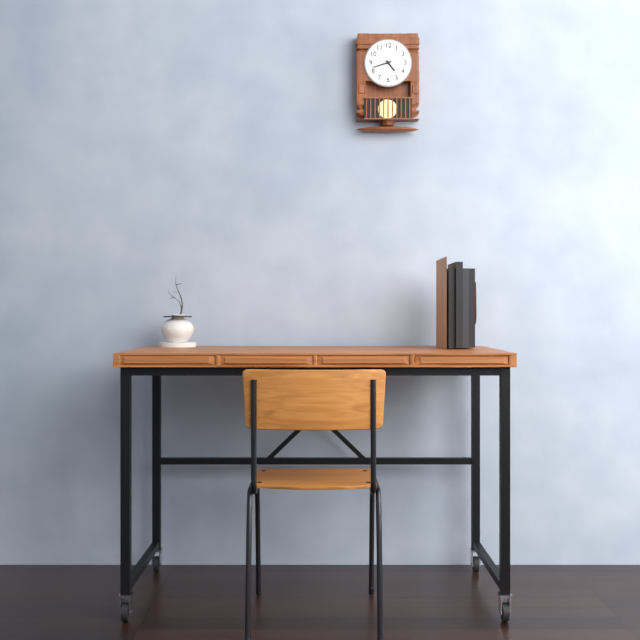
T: 4.42
